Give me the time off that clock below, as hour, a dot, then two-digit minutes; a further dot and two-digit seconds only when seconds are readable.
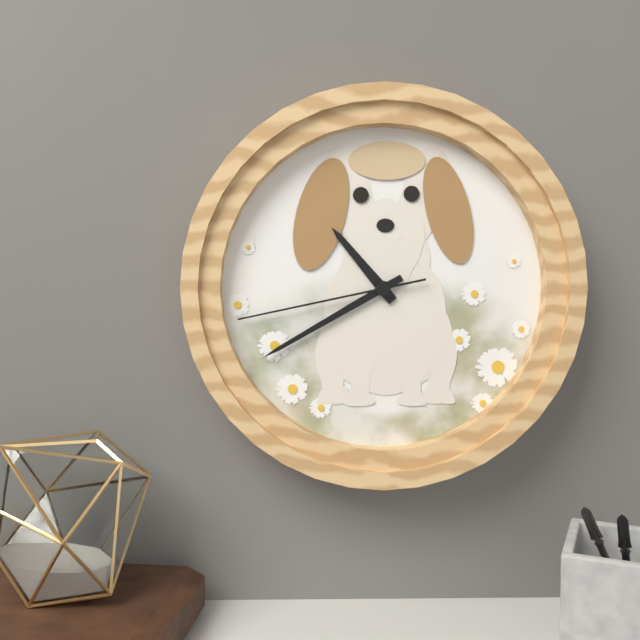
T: 10.40.43
